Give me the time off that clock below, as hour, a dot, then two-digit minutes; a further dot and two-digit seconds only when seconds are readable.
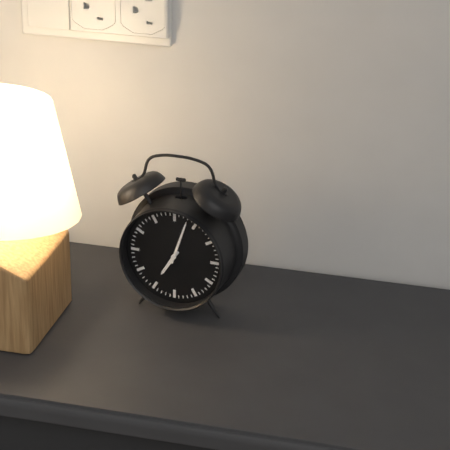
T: 7.03
